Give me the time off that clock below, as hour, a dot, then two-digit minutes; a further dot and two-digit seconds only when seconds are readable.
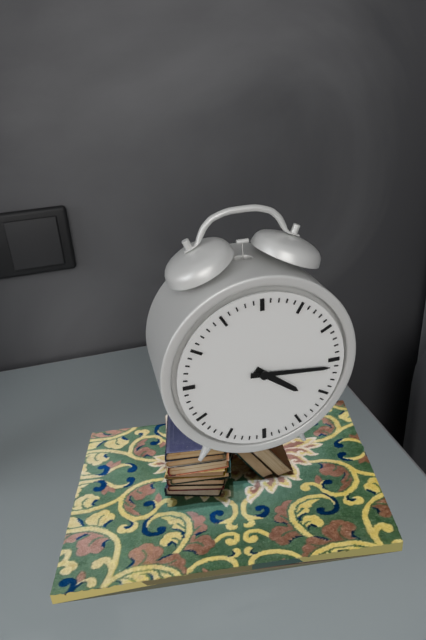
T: 4.16
